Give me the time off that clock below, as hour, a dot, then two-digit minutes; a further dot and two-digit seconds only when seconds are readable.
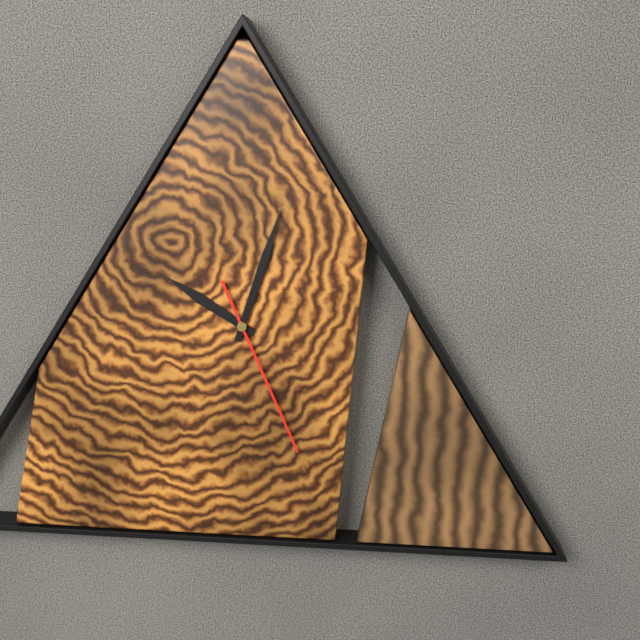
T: 10.03.26
